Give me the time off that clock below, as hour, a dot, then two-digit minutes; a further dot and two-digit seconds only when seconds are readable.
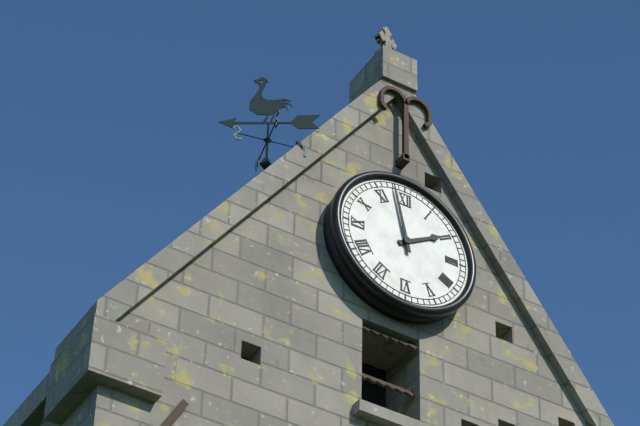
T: 1.58
